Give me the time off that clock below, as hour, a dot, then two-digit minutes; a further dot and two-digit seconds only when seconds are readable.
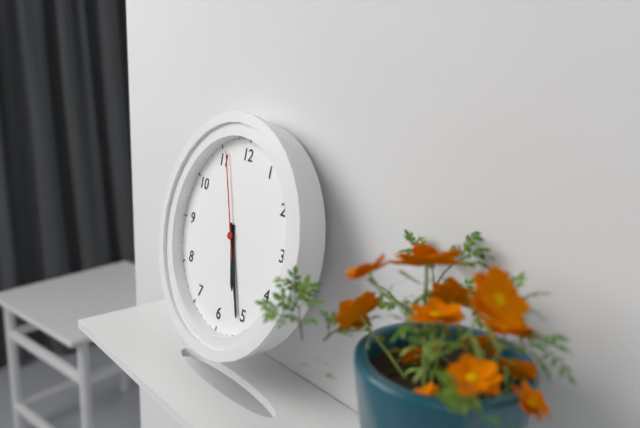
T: 5.26.56
